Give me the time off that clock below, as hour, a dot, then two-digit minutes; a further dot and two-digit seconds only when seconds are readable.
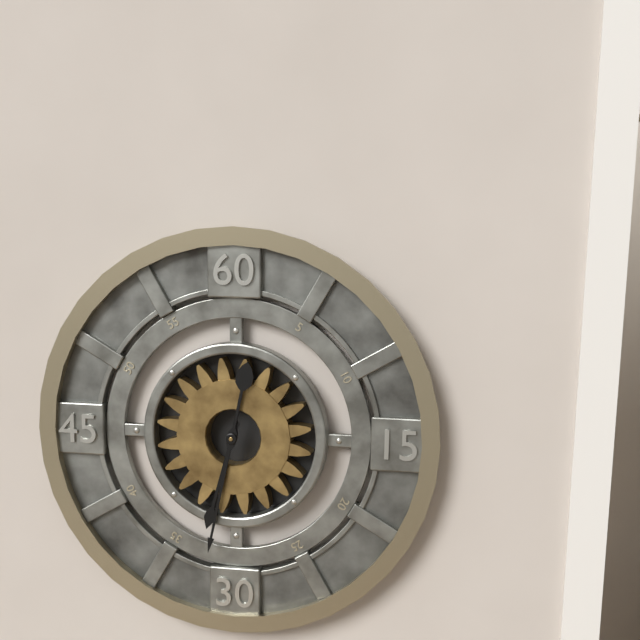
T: 6.32
